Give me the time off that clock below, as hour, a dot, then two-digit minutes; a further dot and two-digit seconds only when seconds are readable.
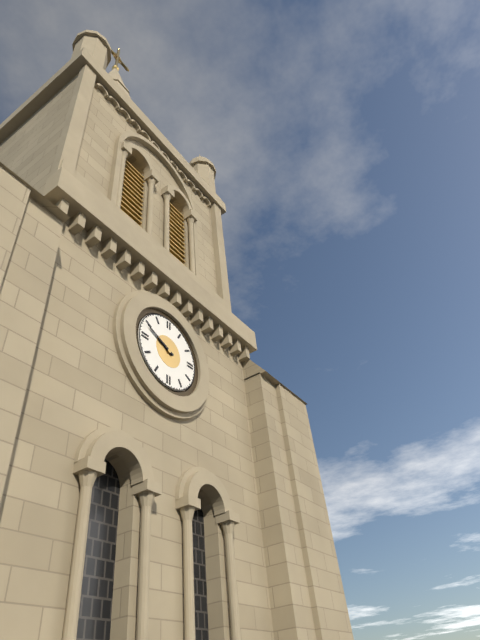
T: 9.49
